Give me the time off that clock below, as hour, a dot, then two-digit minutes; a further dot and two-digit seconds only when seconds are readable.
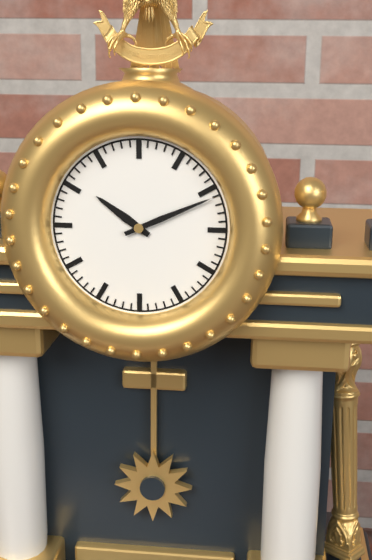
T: 10.11
